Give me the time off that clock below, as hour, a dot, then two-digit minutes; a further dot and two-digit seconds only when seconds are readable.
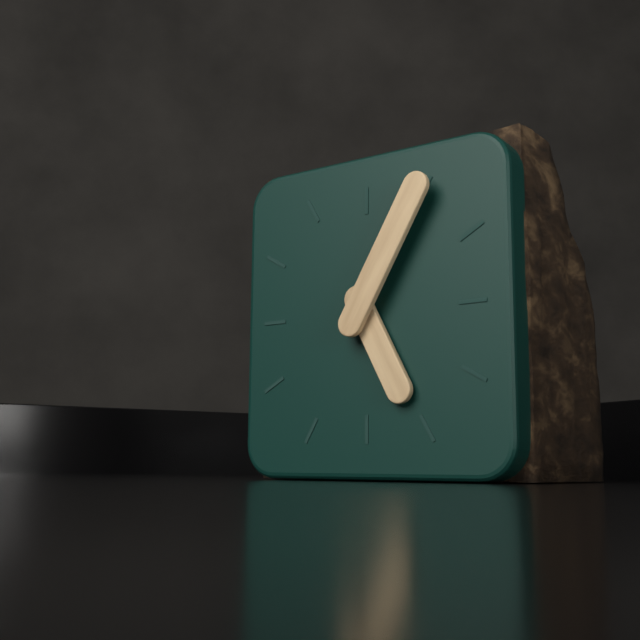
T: 5.05
